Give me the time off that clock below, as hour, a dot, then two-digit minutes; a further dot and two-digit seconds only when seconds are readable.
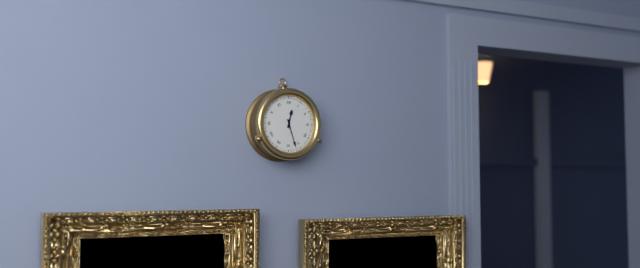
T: 12.27
